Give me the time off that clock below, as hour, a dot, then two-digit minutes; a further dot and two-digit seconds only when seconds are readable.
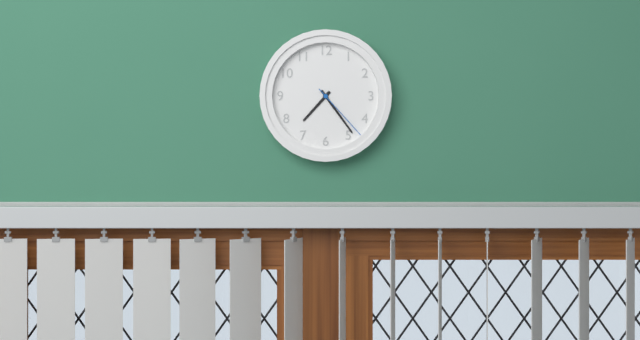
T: 7.24.23
